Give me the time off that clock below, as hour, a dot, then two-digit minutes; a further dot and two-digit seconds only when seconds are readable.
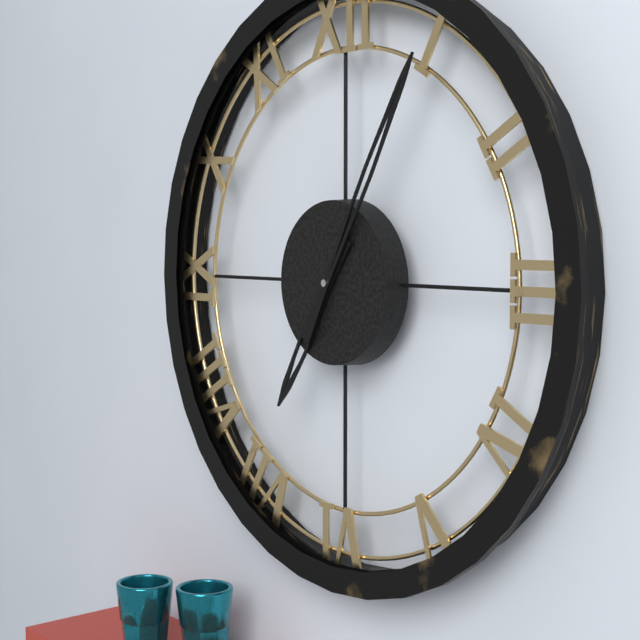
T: 7.05
